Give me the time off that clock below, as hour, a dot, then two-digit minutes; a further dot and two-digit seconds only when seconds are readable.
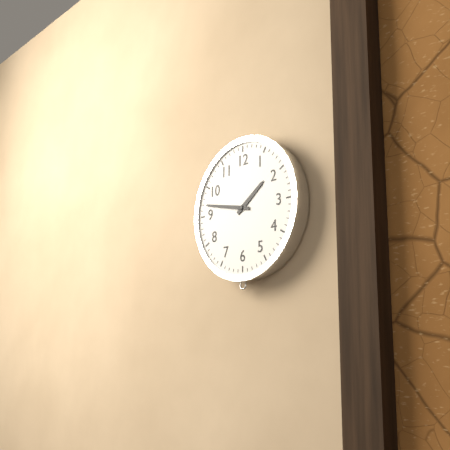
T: 1.47
